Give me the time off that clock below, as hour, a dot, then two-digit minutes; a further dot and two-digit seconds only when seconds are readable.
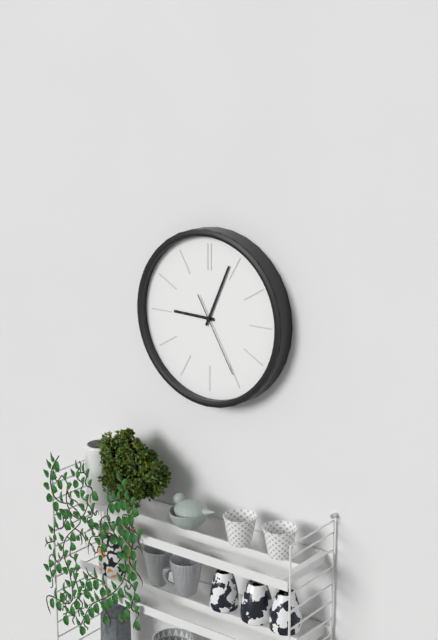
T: 9.04.25
